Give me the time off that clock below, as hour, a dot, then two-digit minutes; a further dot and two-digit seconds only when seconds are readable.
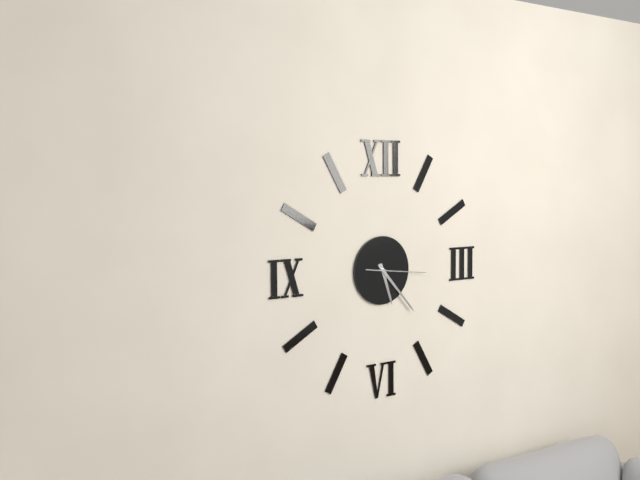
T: 5.23.16
